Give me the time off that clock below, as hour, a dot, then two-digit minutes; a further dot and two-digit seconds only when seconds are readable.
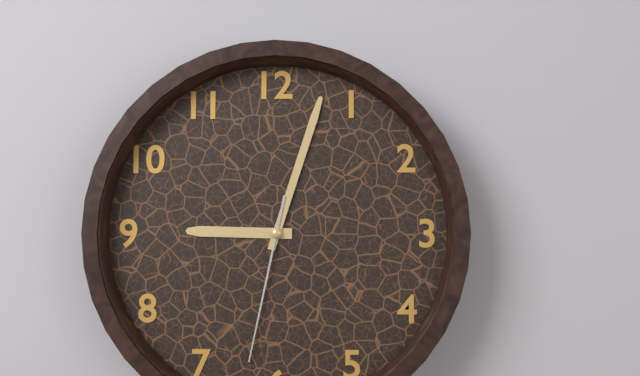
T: 9.03.32
